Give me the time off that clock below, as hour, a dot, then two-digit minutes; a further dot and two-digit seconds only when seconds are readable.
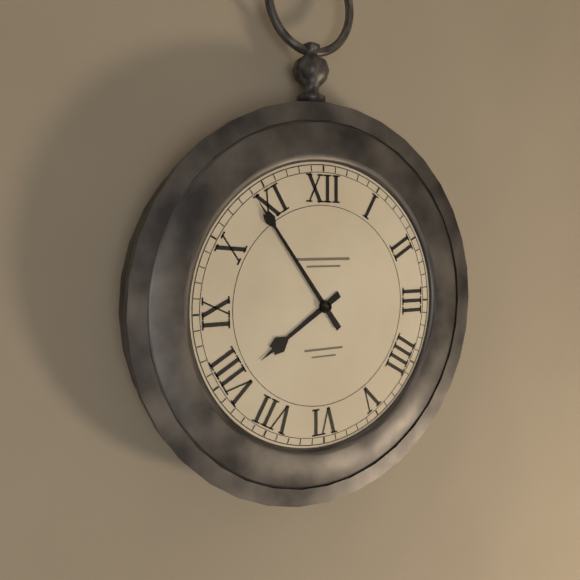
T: 7.54
